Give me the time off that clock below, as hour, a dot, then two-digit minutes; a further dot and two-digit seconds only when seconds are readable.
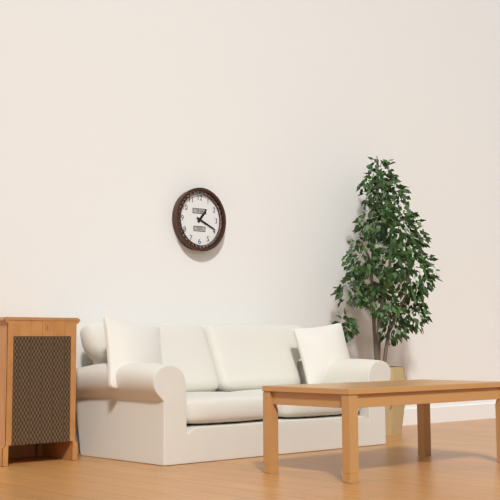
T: 1.19
